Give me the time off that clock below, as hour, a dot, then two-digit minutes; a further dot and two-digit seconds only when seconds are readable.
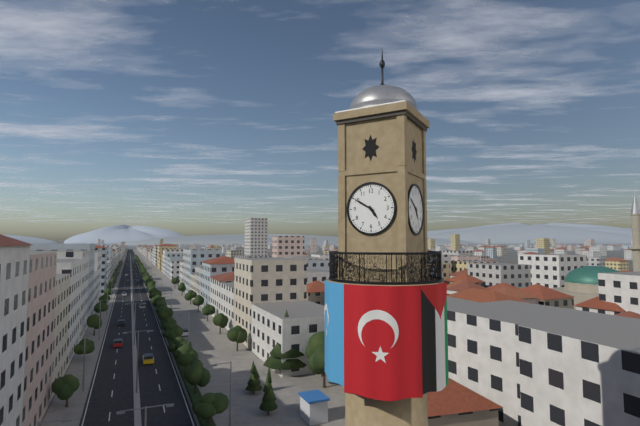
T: 4.50
